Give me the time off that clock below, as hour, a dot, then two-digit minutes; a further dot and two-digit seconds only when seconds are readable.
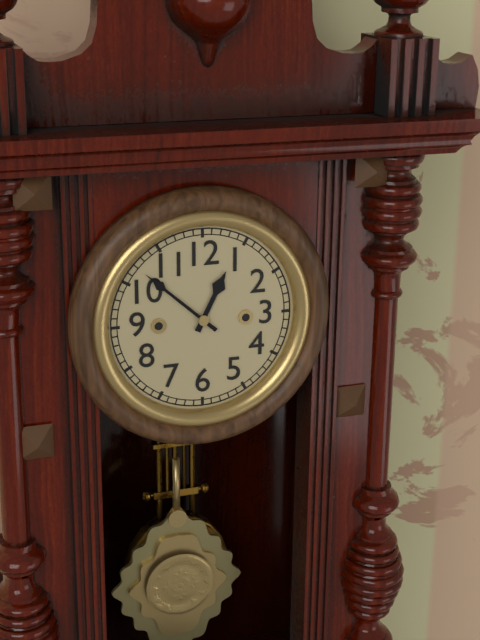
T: 12.52
